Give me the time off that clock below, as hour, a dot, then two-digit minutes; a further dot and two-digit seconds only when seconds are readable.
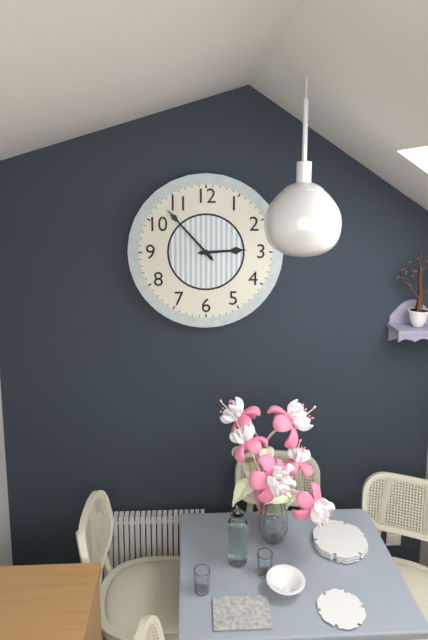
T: 2.53
